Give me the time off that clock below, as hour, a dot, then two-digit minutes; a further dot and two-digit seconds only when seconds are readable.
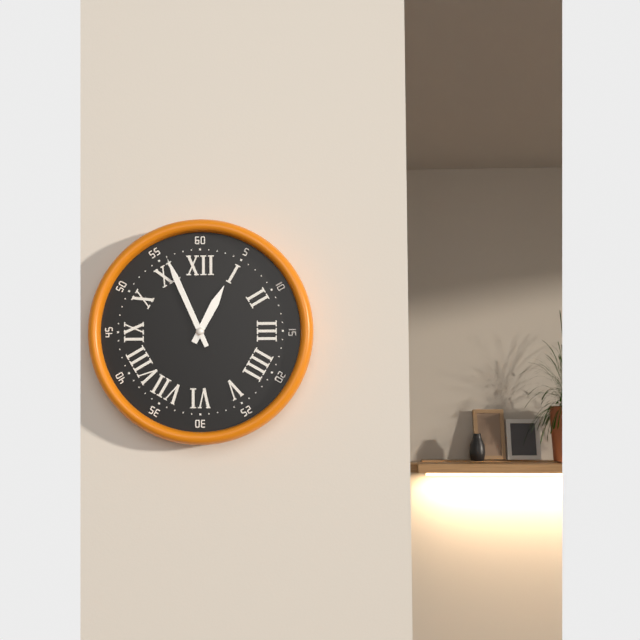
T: 12.56
